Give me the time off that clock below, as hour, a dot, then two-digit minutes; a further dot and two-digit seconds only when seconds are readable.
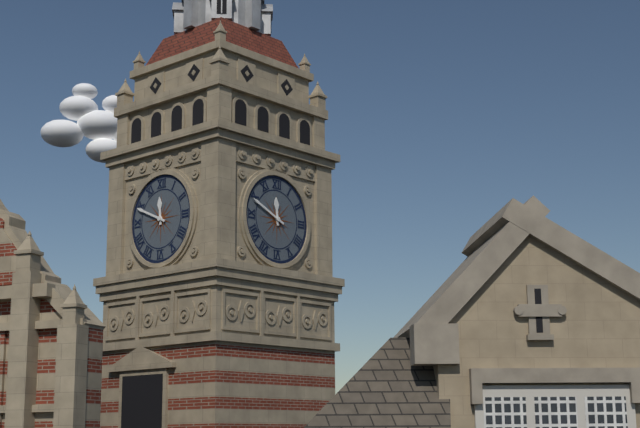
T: 11.49
